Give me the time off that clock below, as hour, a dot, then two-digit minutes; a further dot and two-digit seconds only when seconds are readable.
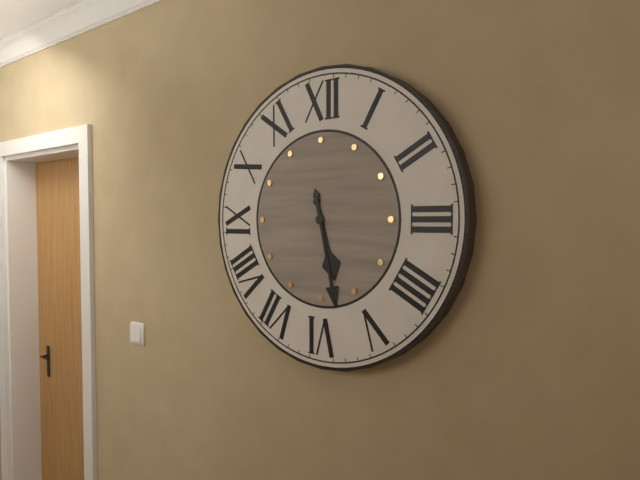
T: 5.28
